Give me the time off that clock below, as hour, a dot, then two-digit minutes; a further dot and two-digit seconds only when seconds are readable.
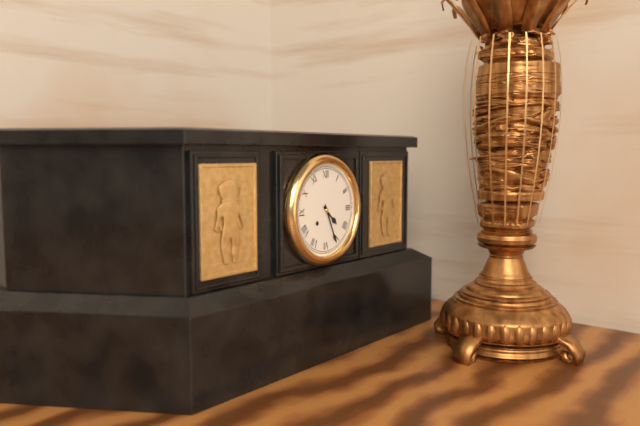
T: 4.26
